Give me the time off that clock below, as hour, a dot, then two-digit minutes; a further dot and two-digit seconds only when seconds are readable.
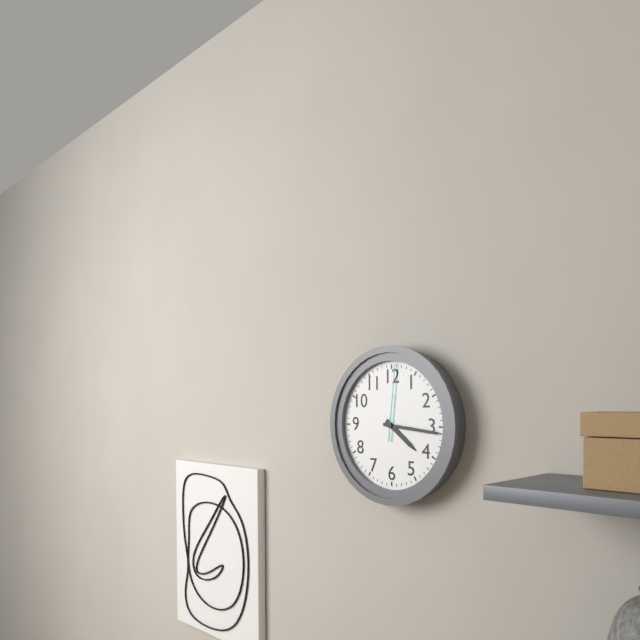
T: 4.16.01
